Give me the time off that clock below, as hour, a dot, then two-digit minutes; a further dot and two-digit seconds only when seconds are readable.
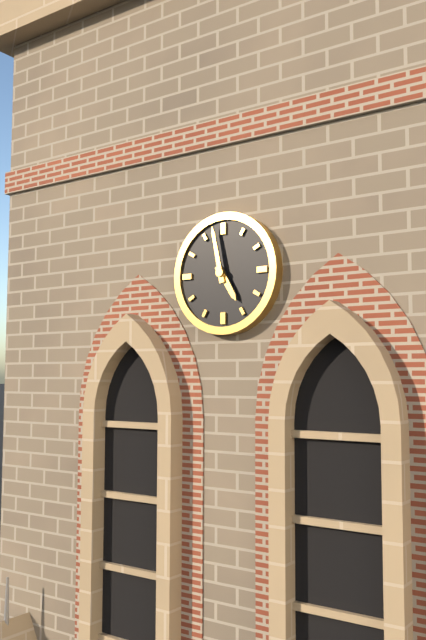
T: 4.58
